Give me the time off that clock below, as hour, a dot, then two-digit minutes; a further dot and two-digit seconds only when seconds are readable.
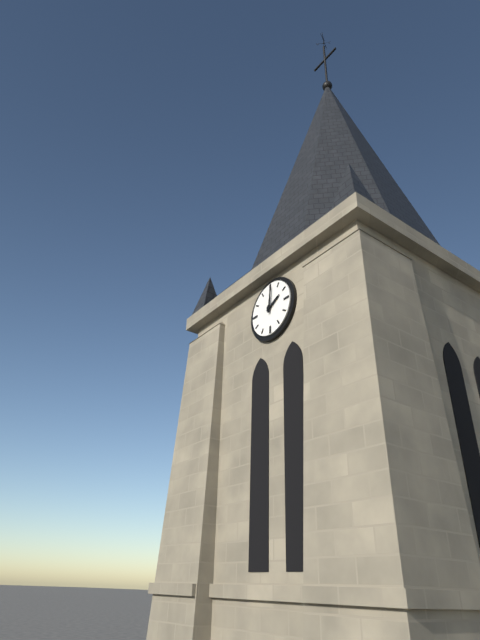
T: 2.01
